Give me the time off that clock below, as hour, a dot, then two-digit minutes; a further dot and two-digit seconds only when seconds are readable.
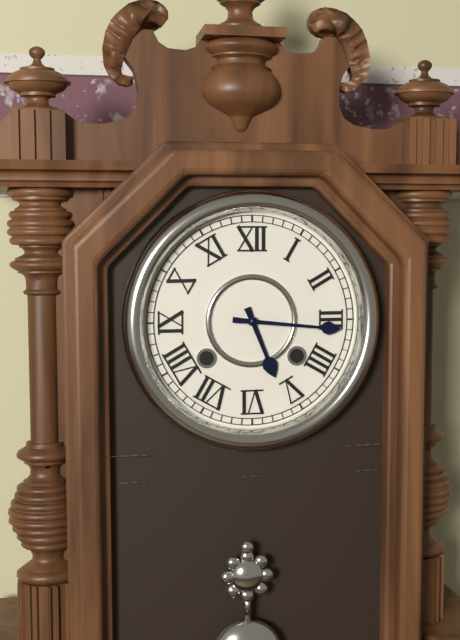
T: 5.16
